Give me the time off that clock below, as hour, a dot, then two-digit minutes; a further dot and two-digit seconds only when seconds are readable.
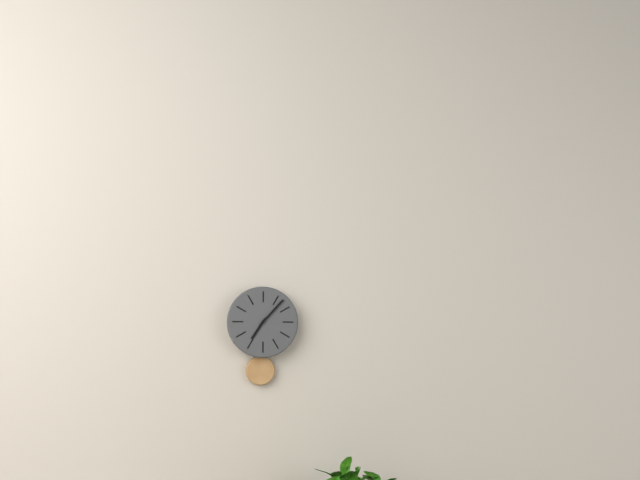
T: 7.07
